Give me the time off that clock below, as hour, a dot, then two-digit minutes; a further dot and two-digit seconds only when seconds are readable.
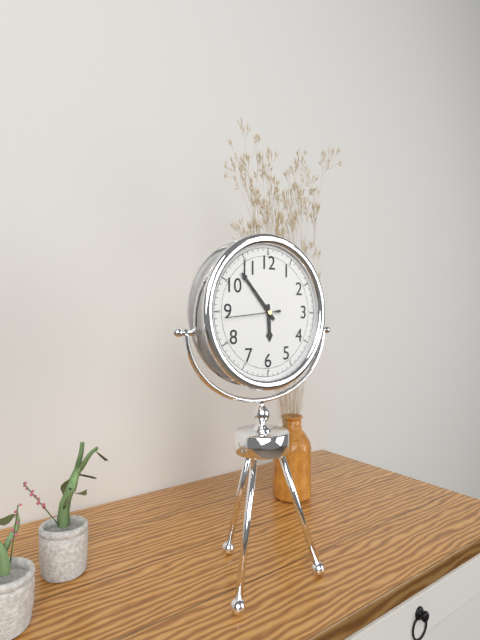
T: 5.53.44
